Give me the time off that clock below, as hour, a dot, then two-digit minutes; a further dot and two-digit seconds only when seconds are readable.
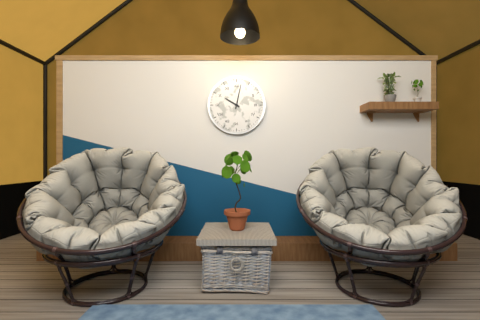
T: 10.02
